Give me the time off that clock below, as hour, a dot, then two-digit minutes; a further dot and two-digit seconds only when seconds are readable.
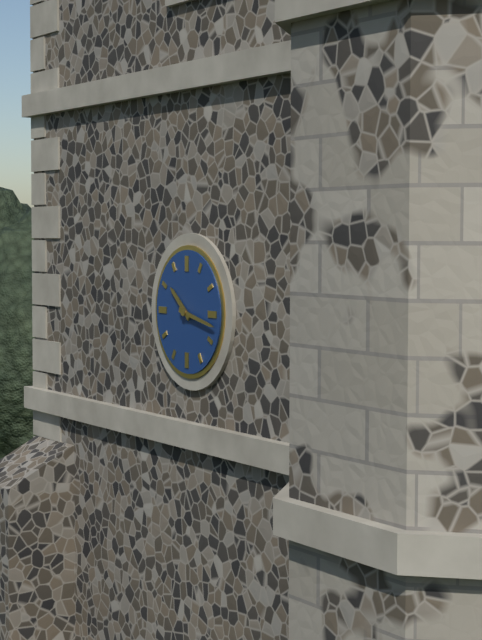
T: 10.17
